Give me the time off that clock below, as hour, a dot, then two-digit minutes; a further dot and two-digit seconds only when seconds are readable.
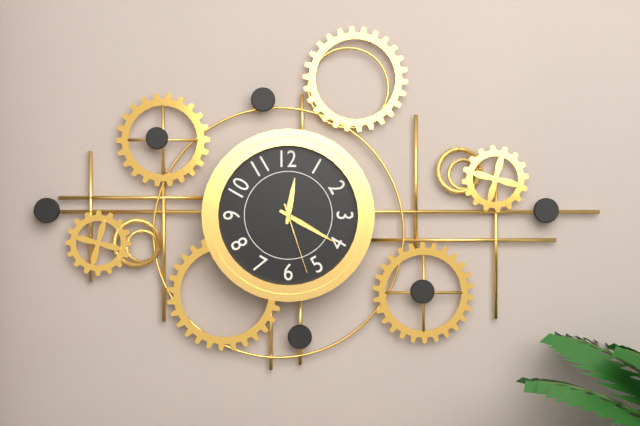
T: 12.20.27
